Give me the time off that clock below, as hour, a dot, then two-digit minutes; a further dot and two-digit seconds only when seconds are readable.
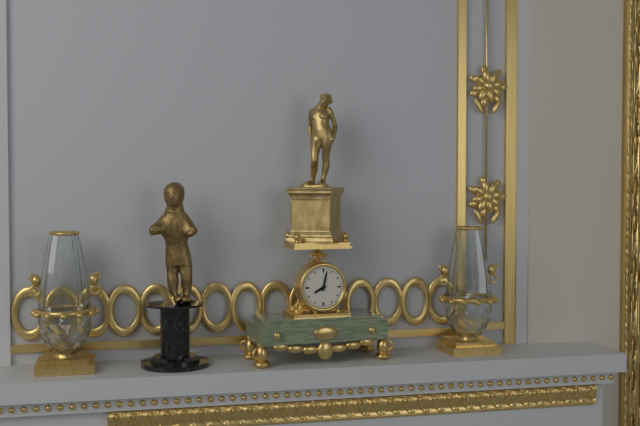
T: 8.02
